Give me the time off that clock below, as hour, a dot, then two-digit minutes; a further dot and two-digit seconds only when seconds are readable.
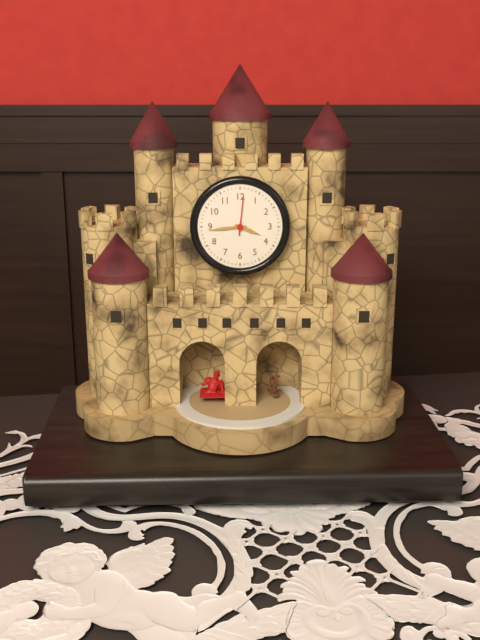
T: 3.44
